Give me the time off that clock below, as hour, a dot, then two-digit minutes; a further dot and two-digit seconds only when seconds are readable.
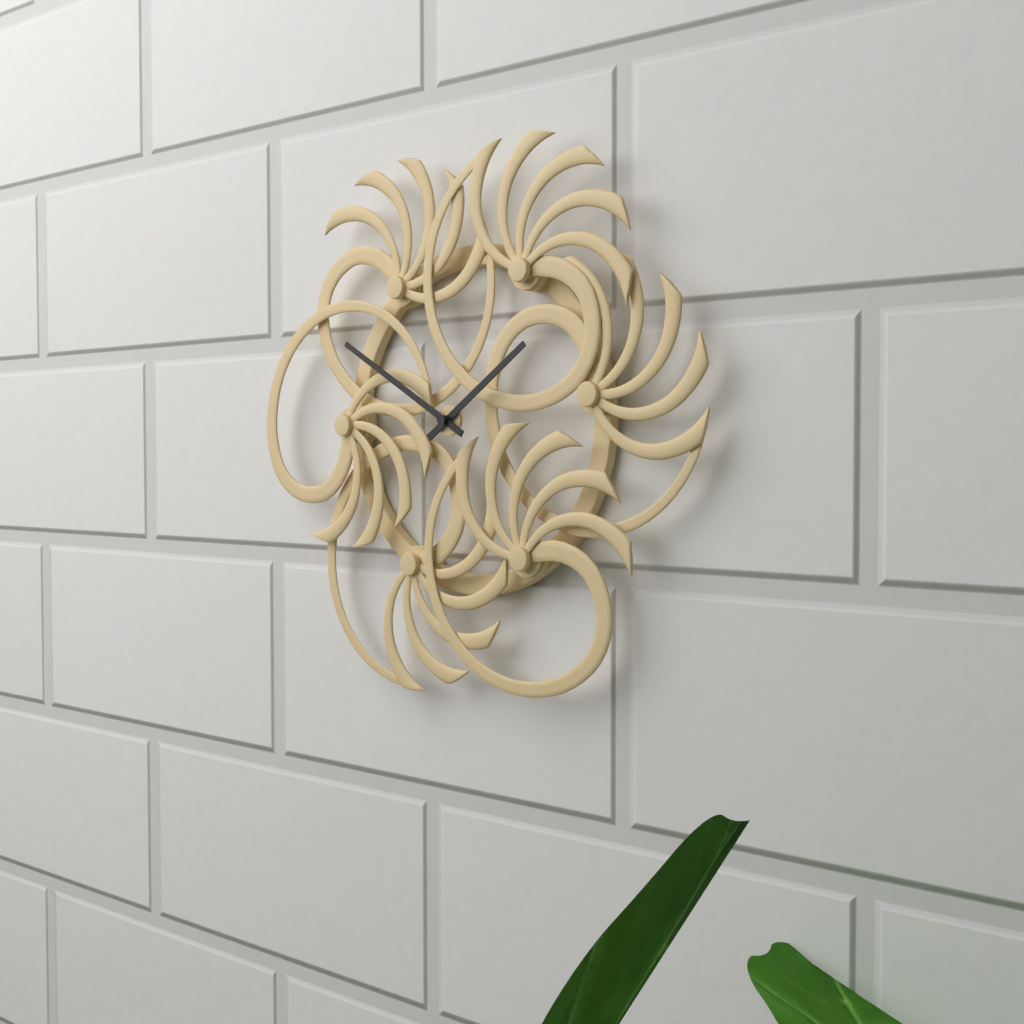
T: 1.50
